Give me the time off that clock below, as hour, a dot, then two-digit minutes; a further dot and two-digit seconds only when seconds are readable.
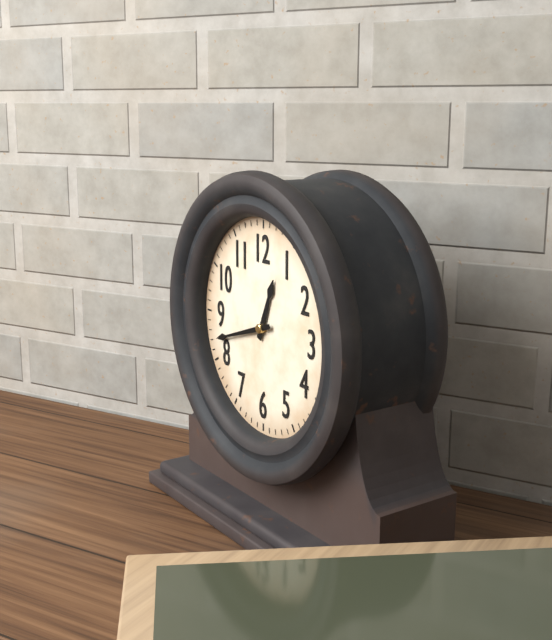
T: 12.42
